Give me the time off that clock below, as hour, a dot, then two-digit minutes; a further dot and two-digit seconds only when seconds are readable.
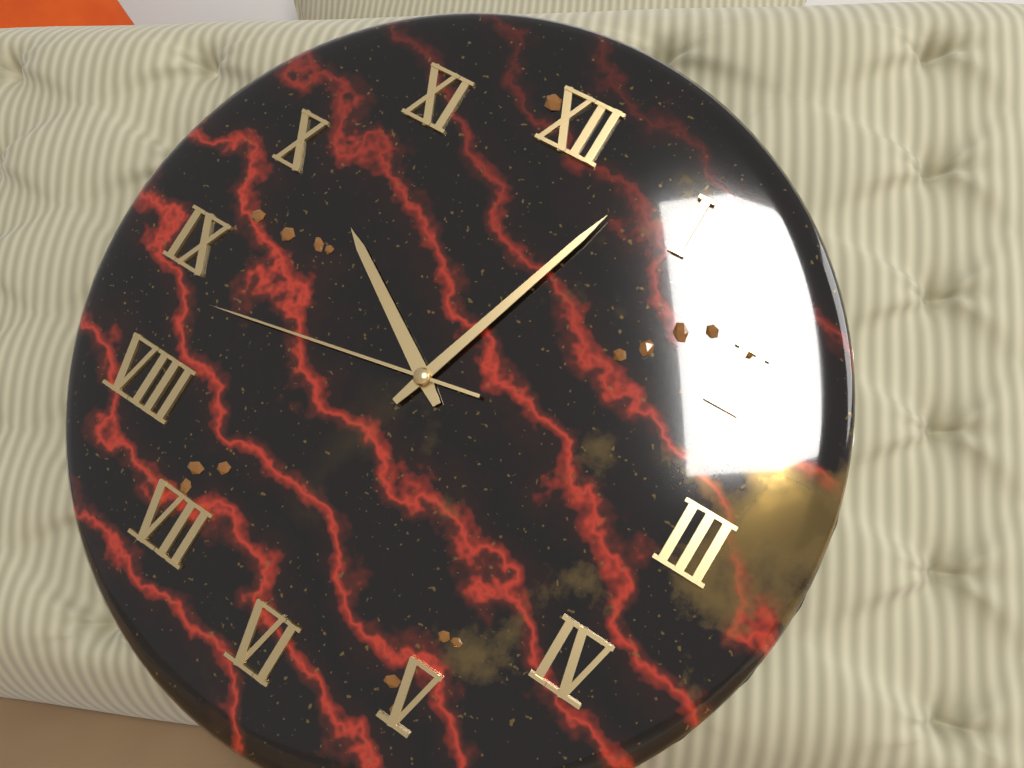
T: 10.03.43
